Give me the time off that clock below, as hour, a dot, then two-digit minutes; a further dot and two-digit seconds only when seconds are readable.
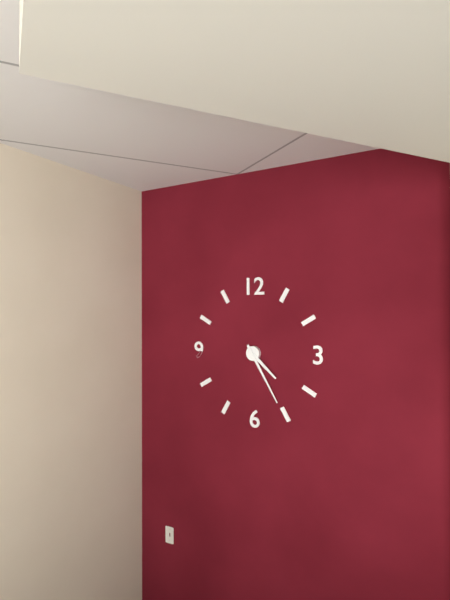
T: 4.25
